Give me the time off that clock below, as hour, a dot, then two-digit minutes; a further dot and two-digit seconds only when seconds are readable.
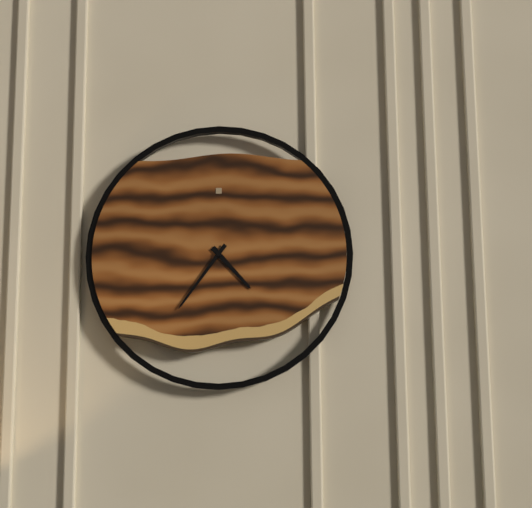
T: 4.36
